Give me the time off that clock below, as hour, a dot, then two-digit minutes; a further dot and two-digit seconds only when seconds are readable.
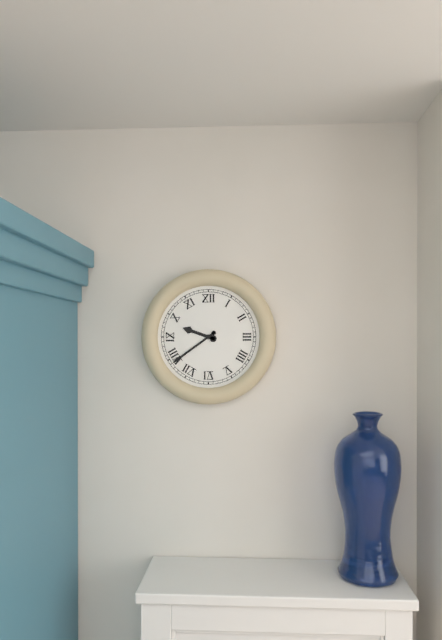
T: 9.39
